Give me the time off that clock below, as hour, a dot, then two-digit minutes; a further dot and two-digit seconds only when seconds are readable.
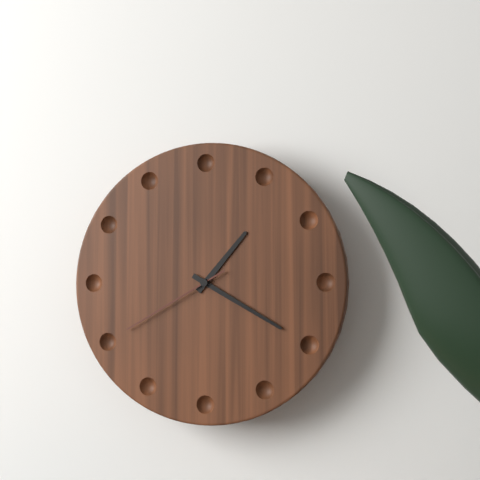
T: 1.20.40
